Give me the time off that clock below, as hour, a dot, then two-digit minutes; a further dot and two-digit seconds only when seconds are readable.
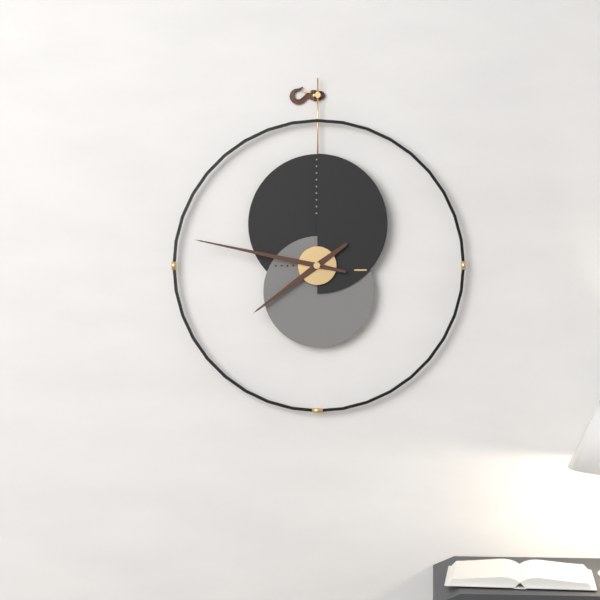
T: 7.47
